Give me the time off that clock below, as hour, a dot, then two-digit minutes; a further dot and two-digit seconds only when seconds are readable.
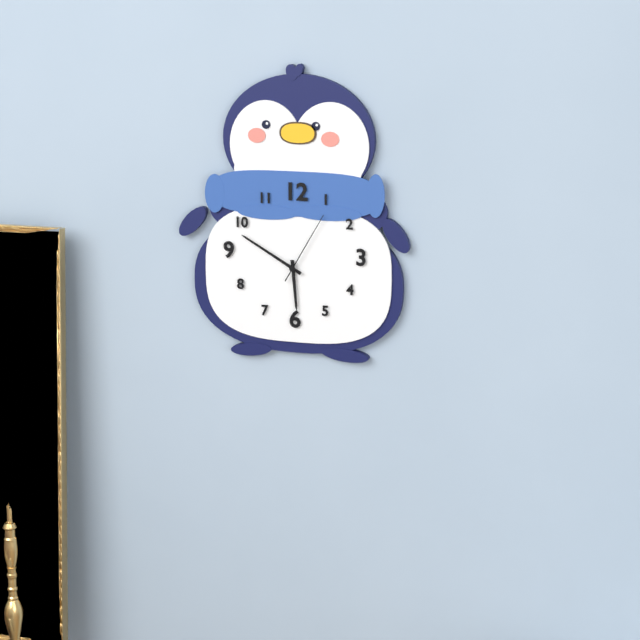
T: 5.50.05
